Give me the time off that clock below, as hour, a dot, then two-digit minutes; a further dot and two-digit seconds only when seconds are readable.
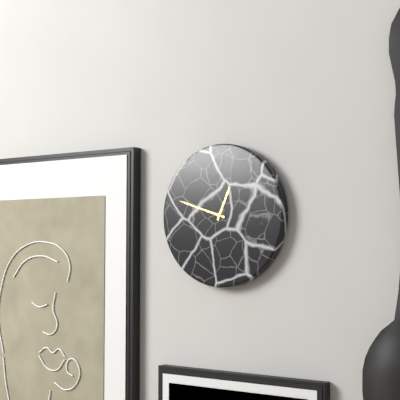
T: 12.48
